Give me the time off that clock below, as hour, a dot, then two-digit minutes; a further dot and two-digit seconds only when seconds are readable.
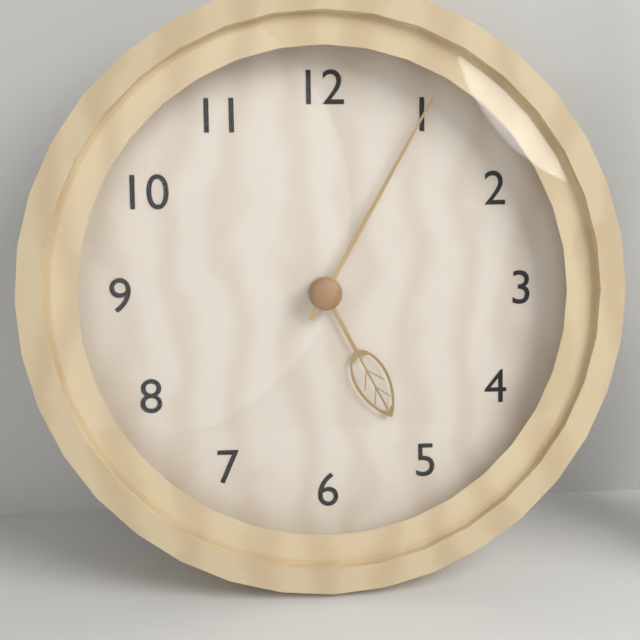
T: 5.05
